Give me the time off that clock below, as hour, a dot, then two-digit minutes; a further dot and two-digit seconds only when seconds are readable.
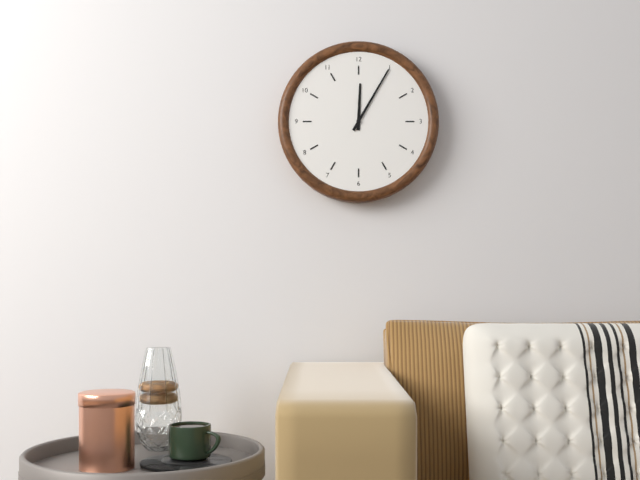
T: 12.05
